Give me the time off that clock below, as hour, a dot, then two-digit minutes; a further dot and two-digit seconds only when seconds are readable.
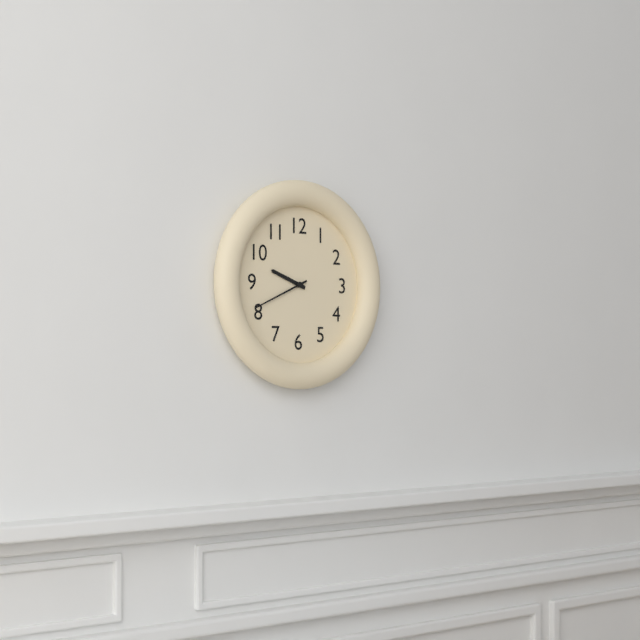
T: 9.41
